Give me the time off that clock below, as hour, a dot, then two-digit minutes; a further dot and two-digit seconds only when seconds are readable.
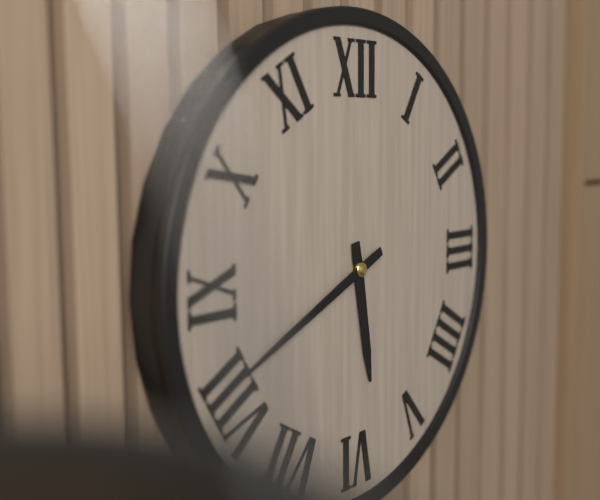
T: 5.41
